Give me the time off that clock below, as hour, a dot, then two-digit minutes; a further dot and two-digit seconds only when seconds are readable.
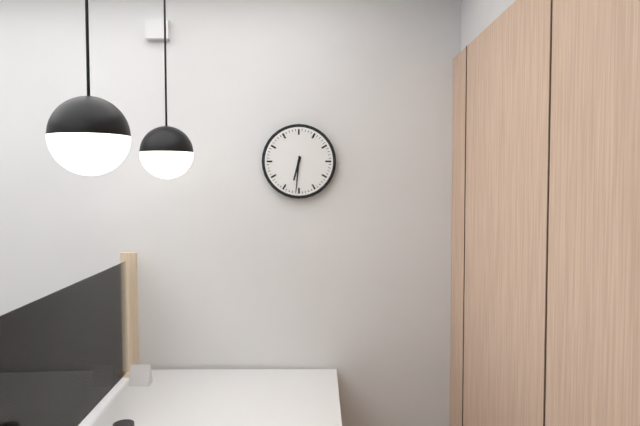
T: 6.31
